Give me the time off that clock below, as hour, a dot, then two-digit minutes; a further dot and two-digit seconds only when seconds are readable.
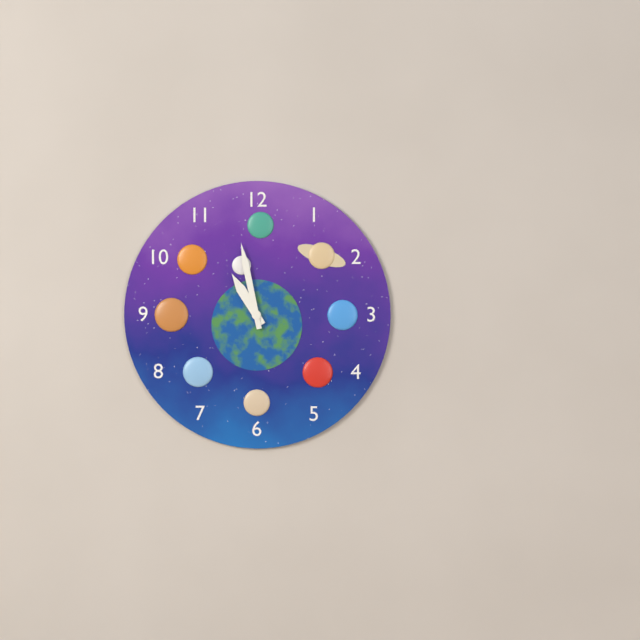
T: 10.58
